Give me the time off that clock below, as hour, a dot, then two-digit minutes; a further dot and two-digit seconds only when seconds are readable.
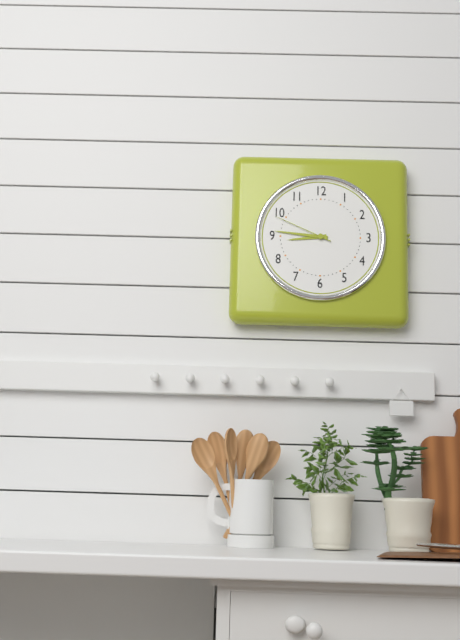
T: 8.46.49
